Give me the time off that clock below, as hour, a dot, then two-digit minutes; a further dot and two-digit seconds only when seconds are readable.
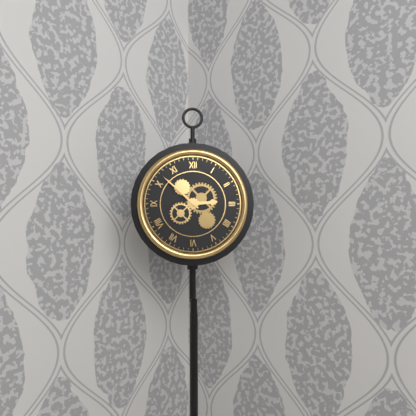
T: 2.52
